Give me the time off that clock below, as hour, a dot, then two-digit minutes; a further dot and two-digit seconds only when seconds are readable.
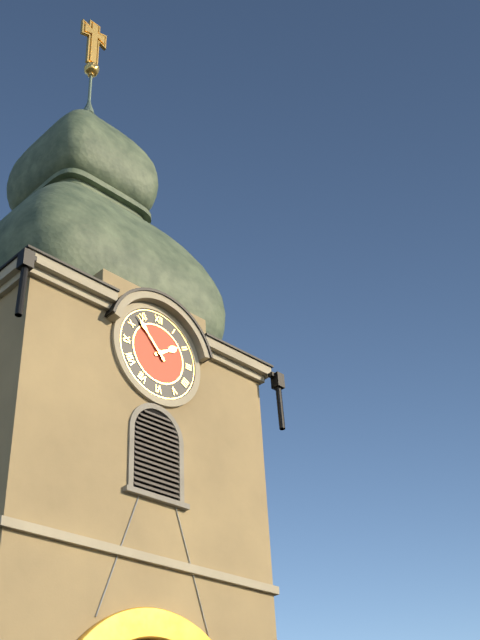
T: 1.53
